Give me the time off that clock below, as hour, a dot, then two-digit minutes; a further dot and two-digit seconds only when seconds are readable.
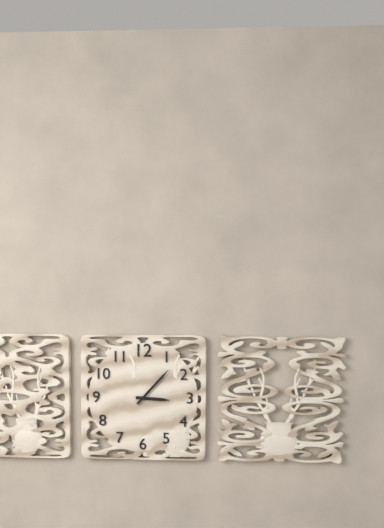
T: 3.07
